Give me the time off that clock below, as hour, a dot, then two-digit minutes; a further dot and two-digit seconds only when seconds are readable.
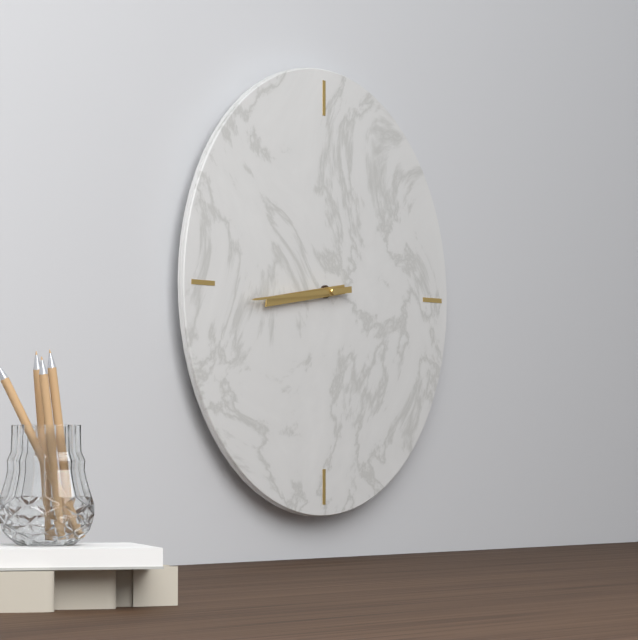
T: 8.44
